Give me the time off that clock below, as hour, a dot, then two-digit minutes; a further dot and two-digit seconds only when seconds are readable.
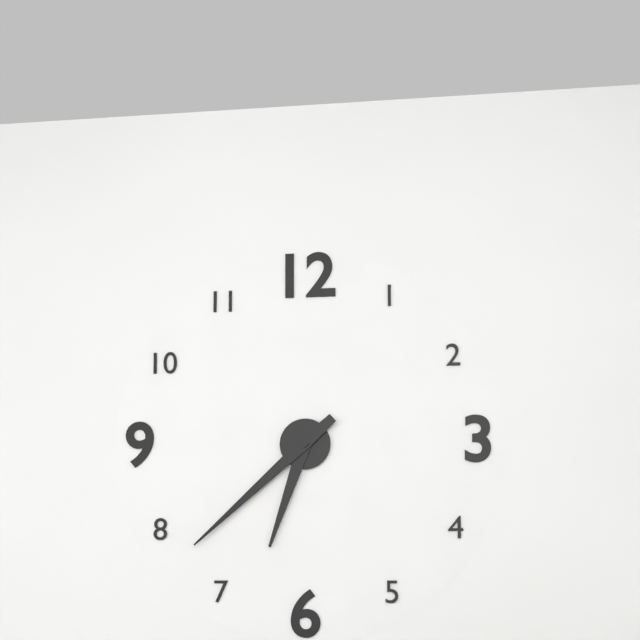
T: 6.38
